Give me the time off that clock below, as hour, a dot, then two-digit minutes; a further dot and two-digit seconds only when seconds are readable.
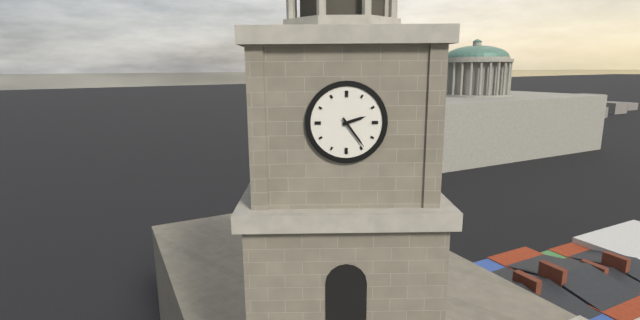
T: 2.24
